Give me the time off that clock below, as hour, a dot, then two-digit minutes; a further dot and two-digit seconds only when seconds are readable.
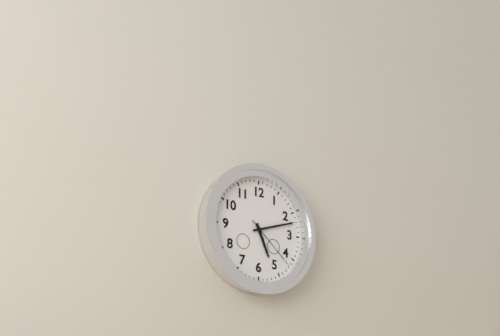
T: 5.12.22
